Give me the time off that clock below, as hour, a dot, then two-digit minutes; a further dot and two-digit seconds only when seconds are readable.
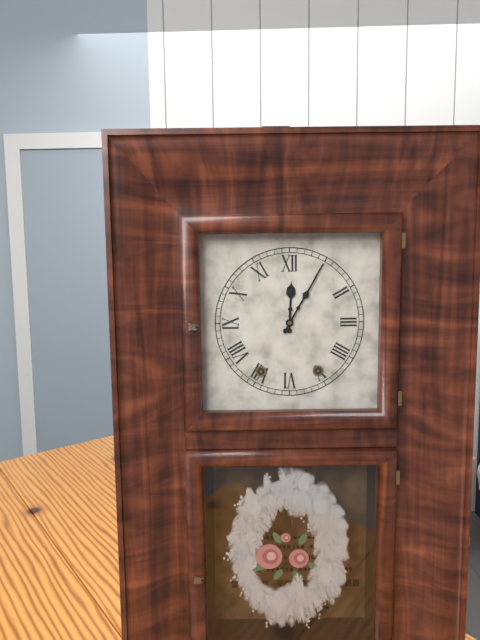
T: 12.05
